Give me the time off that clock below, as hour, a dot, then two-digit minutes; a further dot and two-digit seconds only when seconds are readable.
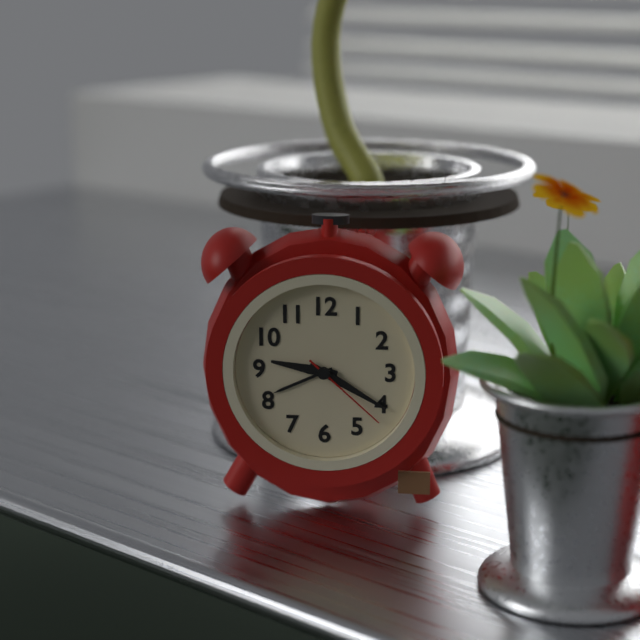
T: 9.20.22
